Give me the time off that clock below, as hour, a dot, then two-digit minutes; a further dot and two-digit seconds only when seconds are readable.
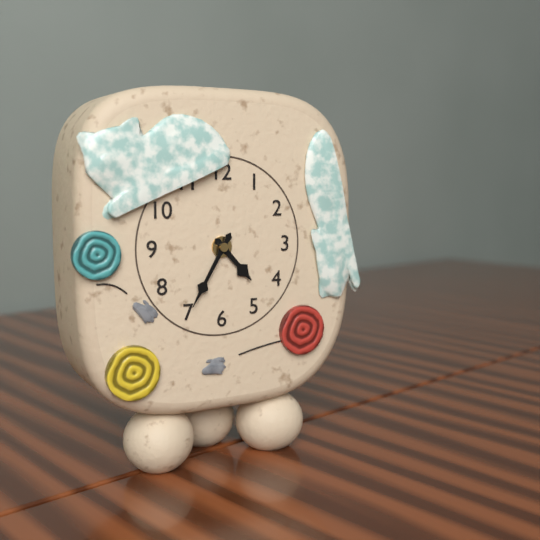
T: 4.35
